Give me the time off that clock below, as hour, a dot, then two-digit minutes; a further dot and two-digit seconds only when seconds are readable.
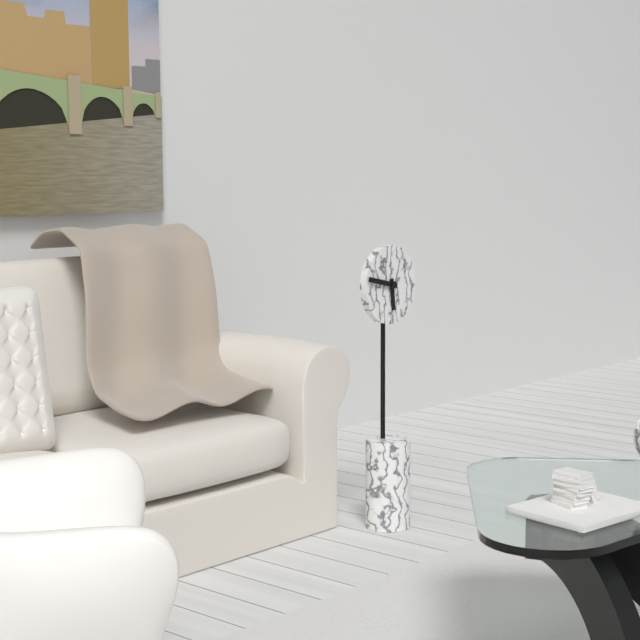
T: 5.47
